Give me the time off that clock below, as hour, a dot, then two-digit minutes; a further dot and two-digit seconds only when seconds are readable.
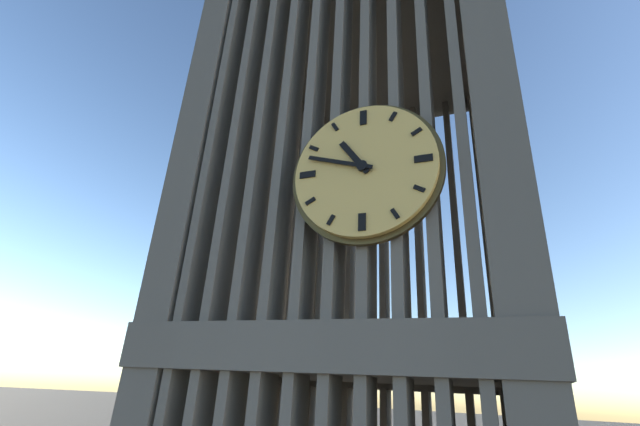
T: 10.48
